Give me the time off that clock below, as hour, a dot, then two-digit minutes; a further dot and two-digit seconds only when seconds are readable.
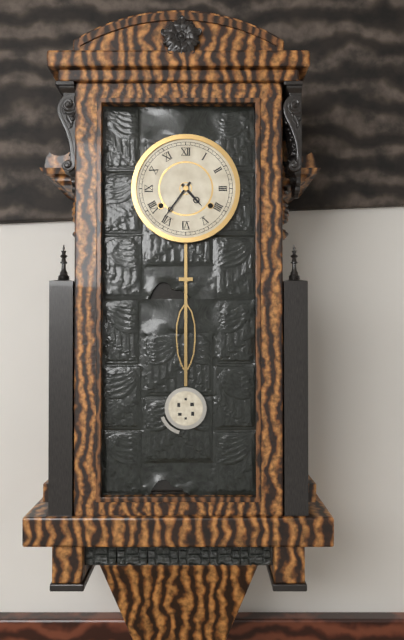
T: 4.36
